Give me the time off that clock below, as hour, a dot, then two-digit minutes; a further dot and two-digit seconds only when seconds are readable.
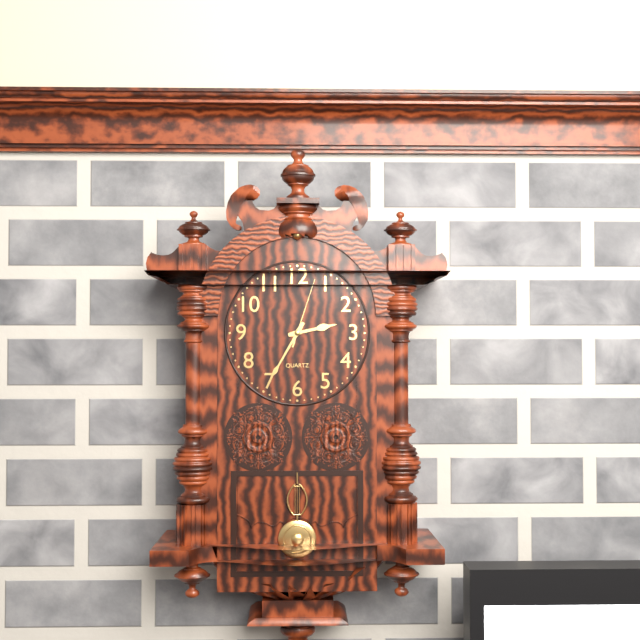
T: 2.35.03
